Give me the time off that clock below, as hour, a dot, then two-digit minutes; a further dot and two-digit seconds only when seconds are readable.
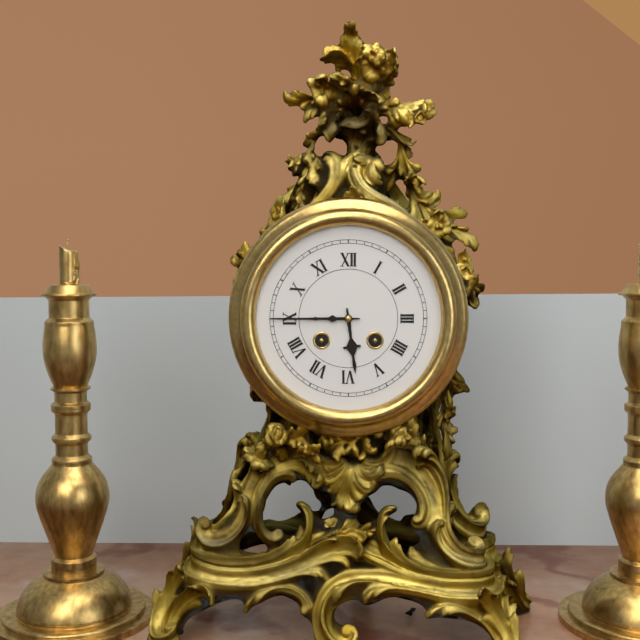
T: 5.45
